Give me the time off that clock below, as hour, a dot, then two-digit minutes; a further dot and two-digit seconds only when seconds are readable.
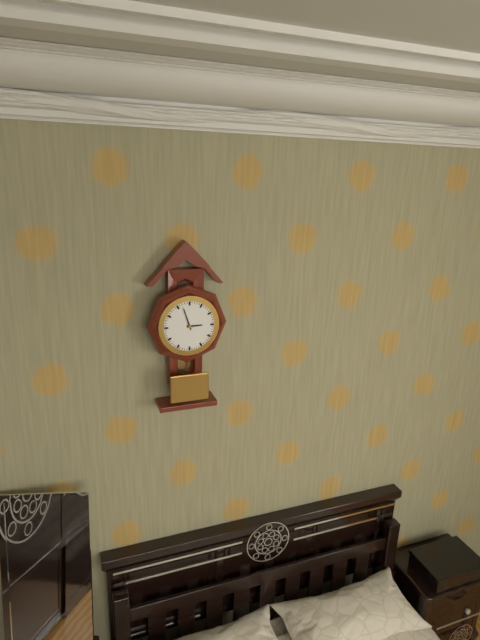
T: 2.57
